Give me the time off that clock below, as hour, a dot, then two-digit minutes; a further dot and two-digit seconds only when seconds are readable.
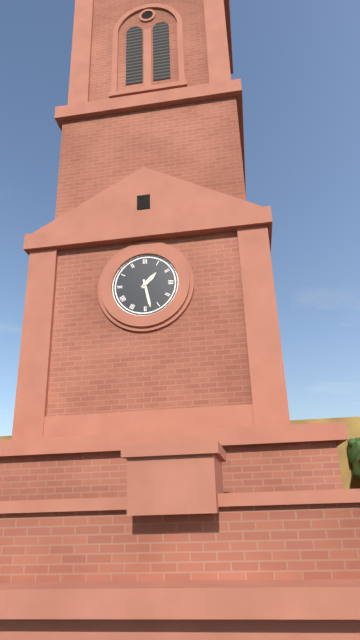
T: 1.28
